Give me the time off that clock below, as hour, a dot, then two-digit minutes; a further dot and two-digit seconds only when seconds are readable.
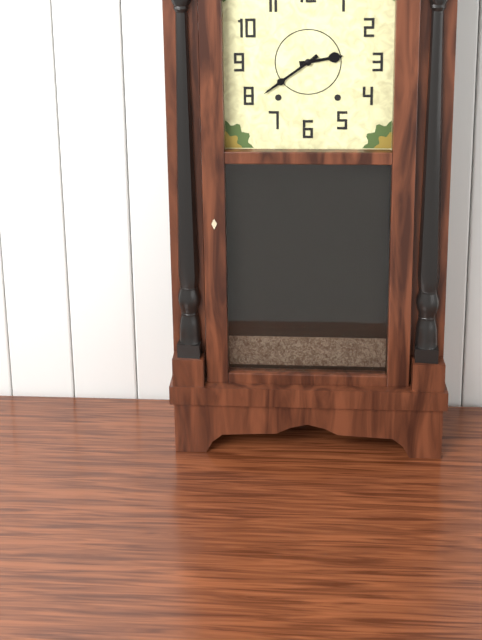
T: 2.39
